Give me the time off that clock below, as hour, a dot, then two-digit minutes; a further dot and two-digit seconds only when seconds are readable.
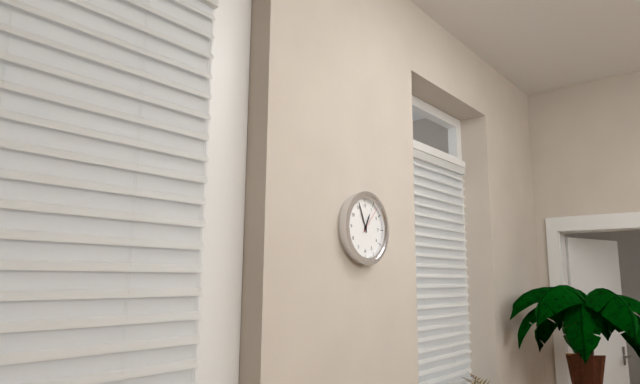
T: 12.56
